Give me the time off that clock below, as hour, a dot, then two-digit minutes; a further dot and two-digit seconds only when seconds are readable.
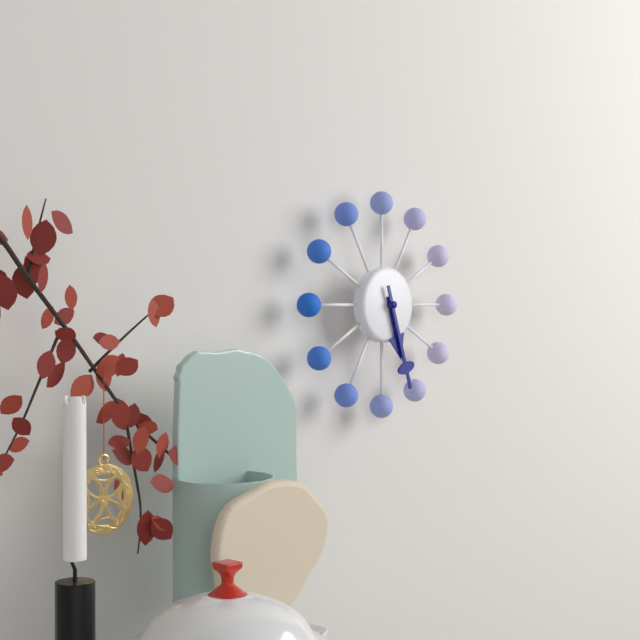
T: 5.27
